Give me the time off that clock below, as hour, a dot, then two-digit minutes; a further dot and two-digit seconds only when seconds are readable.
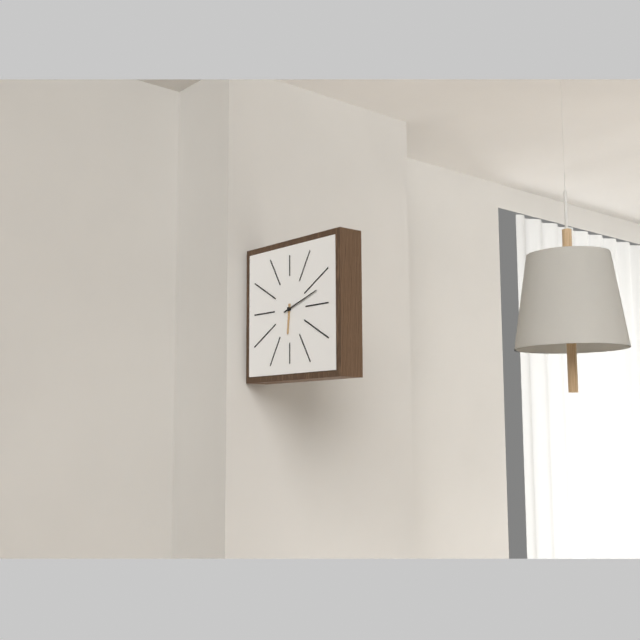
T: 6.12
